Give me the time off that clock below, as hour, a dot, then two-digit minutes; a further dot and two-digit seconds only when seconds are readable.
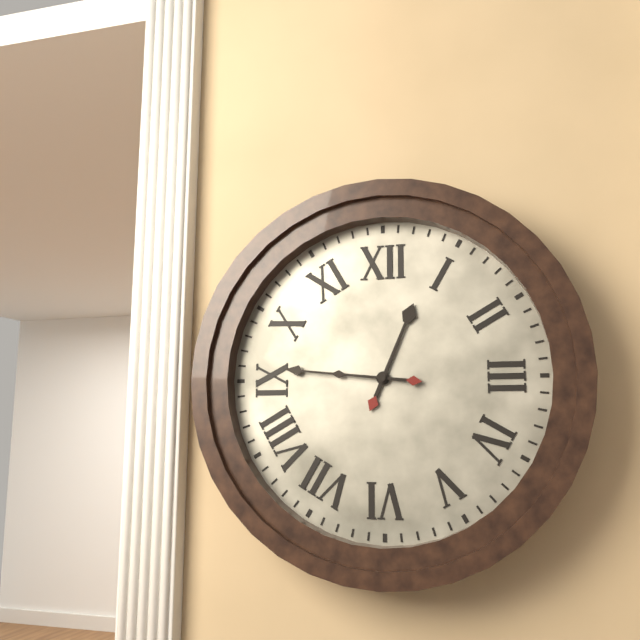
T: 12.46
